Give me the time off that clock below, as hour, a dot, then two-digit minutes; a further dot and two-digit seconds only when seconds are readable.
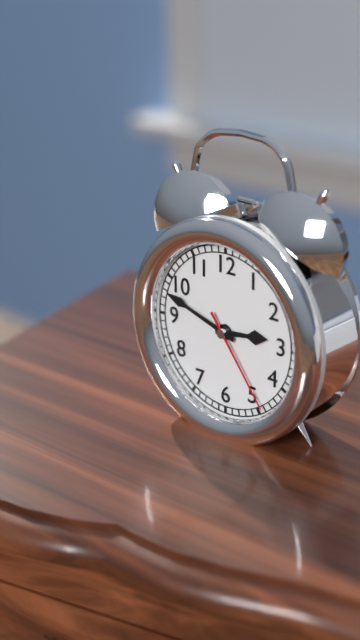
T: 2.48.24
